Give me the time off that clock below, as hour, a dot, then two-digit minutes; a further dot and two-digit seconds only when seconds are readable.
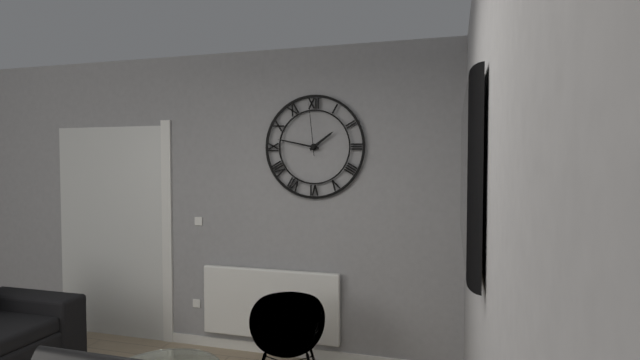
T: 1.47.59
